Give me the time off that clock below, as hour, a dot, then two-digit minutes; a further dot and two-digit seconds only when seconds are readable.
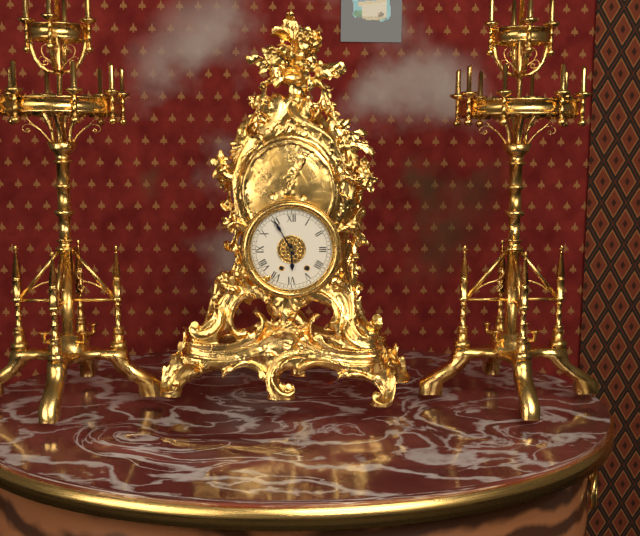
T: 5.55
